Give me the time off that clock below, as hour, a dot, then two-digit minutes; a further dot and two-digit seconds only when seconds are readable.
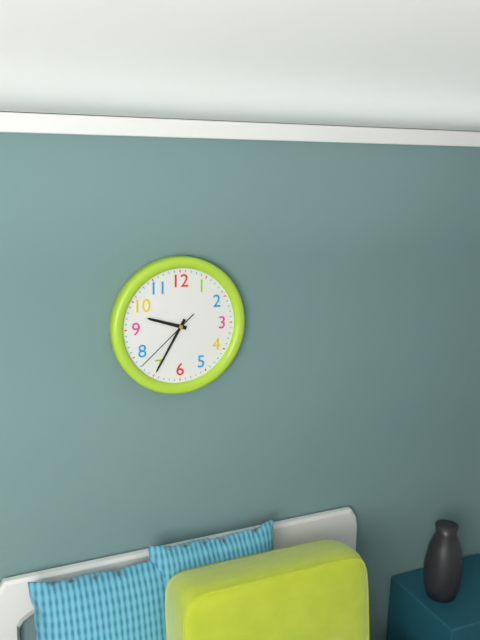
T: 9.35.38
